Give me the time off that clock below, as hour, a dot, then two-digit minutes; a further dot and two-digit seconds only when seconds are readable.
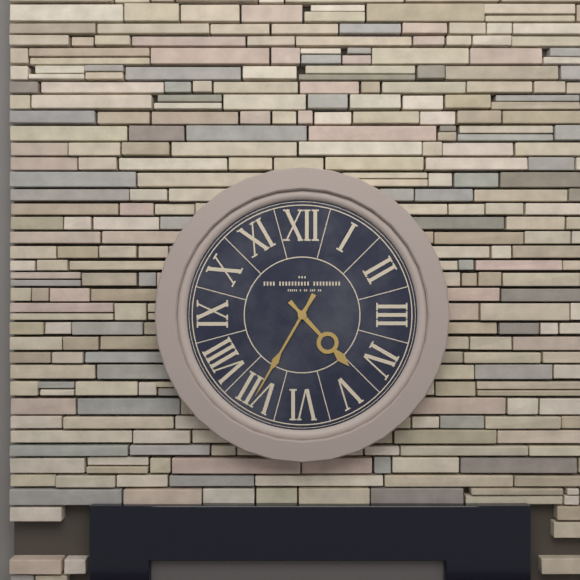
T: 4.35
